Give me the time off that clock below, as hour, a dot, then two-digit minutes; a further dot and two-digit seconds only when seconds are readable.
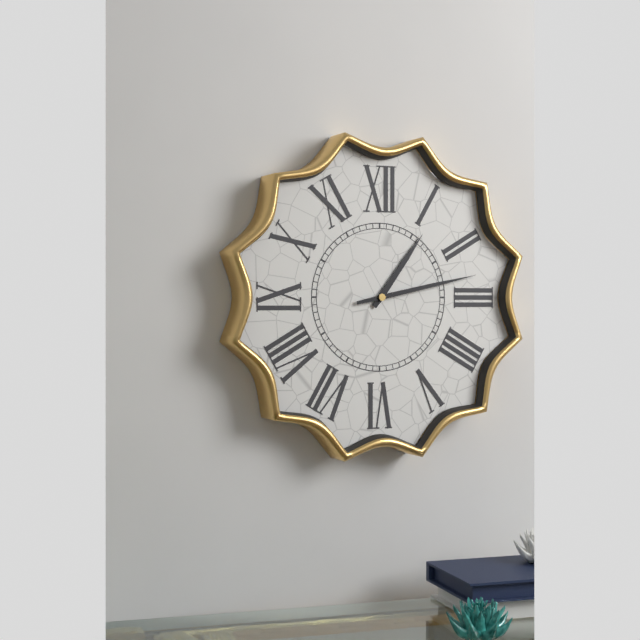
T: 1.13
